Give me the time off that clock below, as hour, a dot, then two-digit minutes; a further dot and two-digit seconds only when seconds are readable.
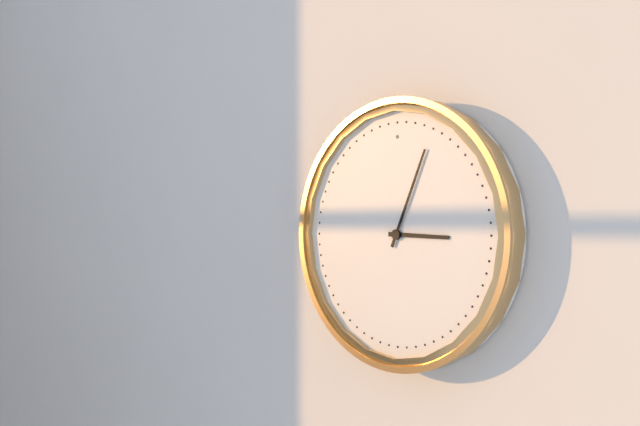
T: 3.04
